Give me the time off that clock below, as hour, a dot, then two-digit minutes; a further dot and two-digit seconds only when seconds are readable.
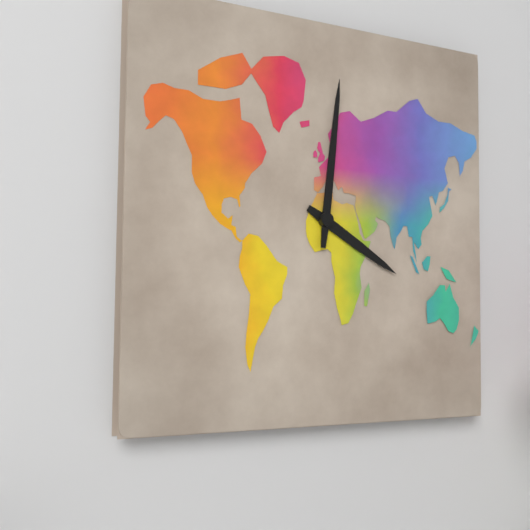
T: 4.01
